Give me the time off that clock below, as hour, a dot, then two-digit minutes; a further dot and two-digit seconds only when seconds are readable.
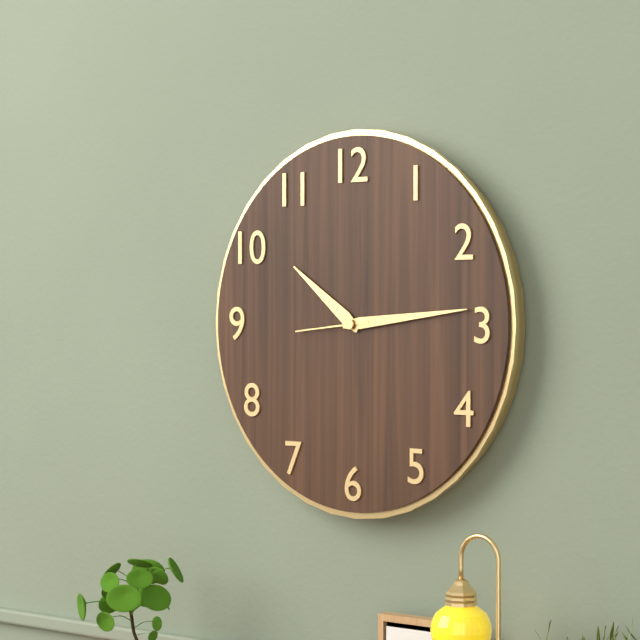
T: 10.14.44
